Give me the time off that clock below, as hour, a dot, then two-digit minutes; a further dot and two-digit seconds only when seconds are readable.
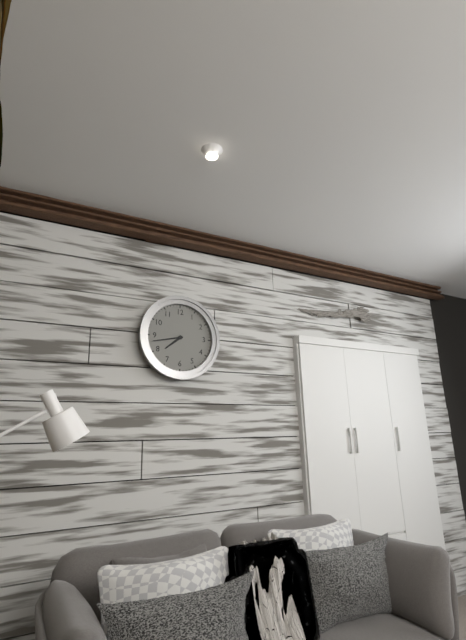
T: 7.43
